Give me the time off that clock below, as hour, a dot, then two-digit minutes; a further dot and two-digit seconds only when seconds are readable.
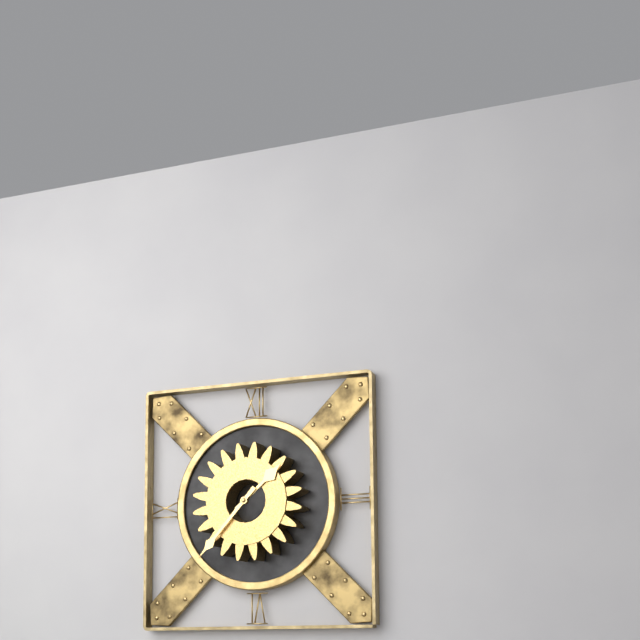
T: 1.37
